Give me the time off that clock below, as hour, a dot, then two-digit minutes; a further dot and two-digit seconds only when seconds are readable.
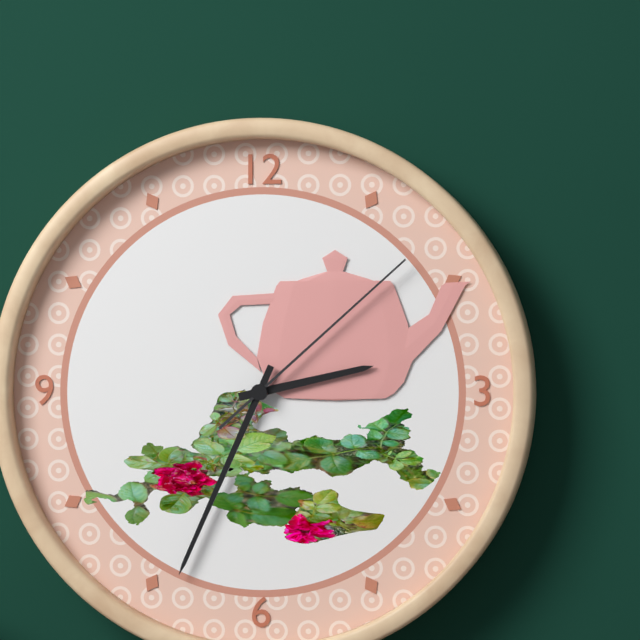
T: 2.34.08
